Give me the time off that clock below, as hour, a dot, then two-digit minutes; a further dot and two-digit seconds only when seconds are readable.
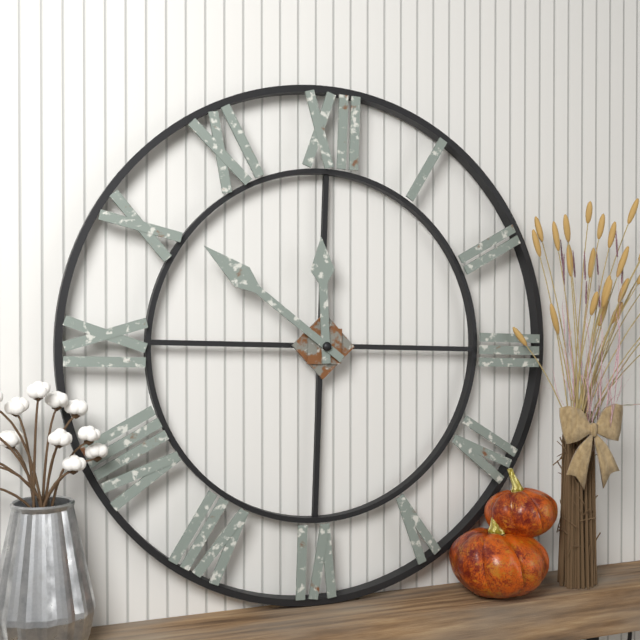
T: 11.51
